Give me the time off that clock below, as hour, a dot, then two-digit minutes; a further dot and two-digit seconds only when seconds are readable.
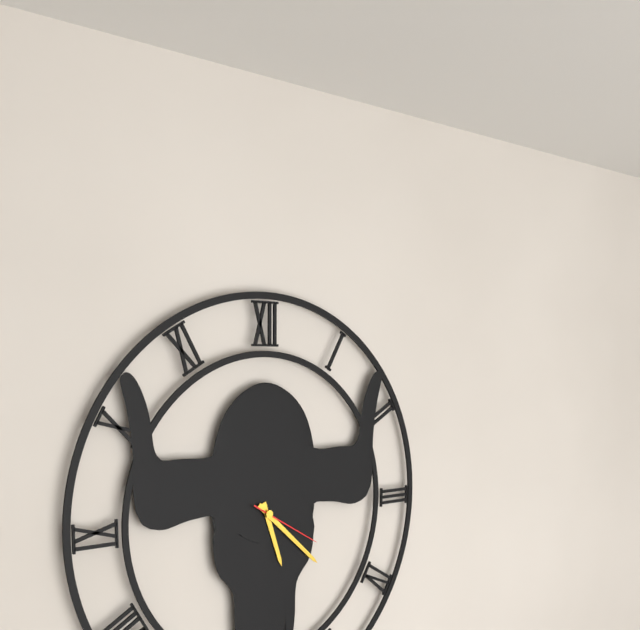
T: 5.22.20
